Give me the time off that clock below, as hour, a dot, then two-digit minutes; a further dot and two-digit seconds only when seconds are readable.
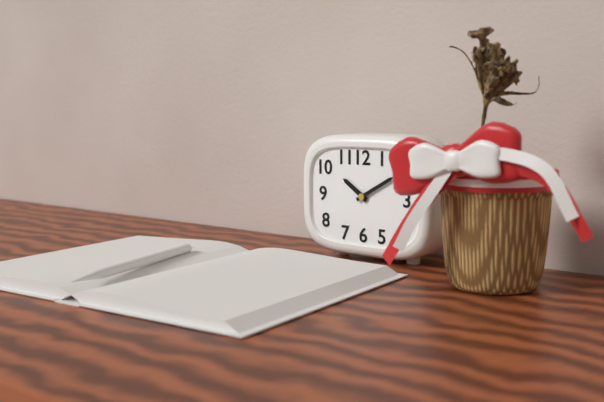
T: 10.10
